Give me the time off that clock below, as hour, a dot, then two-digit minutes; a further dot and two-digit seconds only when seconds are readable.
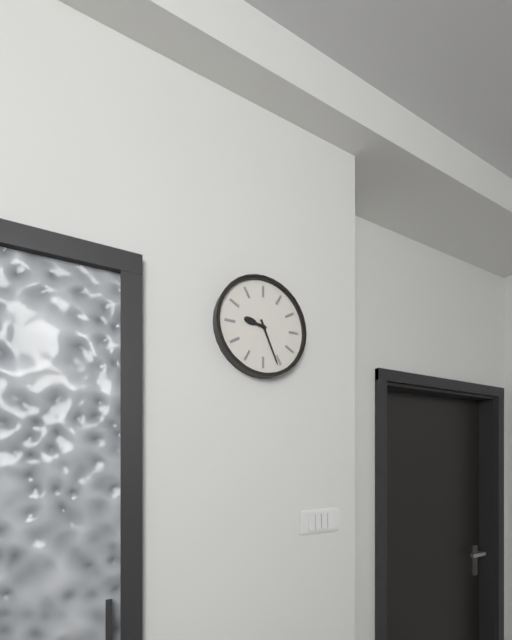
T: 9.26
